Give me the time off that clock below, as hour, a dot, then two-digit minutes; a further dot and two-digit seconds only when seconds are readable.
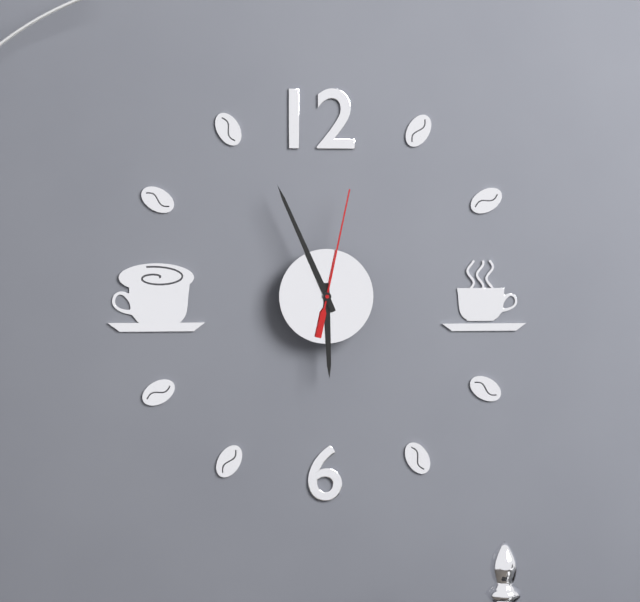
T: 5.56.02
